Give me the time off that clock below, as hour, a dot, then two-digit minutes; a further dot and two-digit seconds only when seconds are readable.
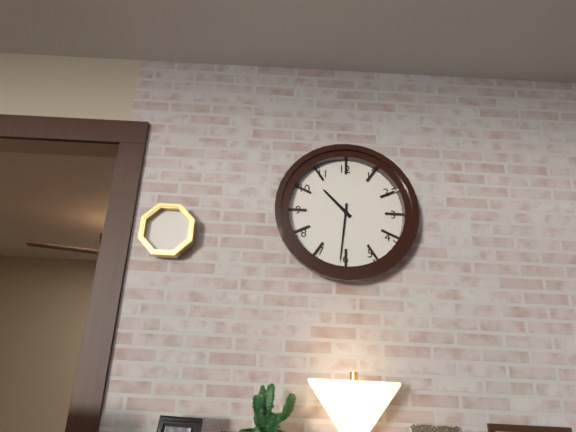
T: 10.31
